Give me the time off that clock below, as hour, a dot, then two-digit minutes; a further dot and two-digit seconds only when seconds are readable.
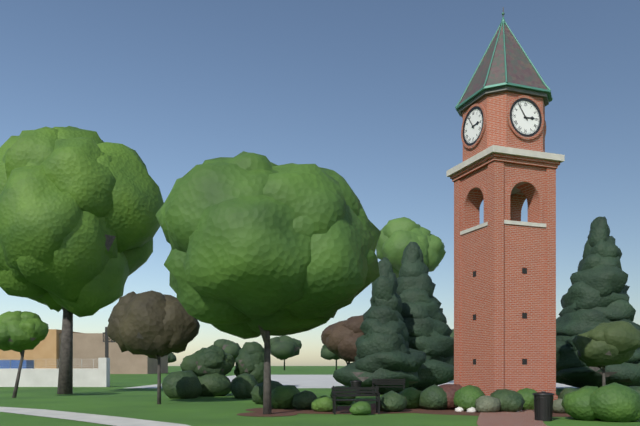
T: 2.54
